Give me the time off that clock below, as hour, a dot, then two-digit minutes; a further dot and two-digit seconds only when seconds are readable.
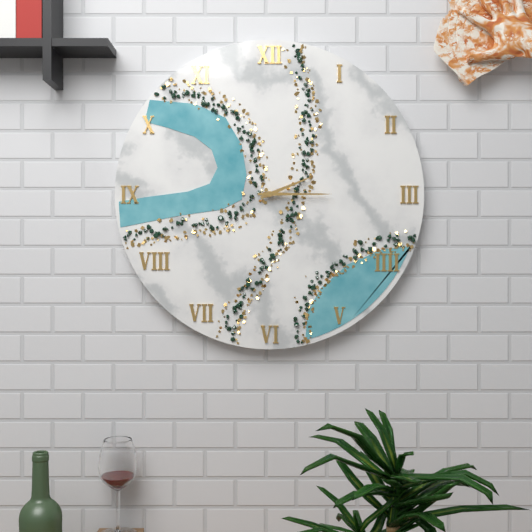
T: 2.15
